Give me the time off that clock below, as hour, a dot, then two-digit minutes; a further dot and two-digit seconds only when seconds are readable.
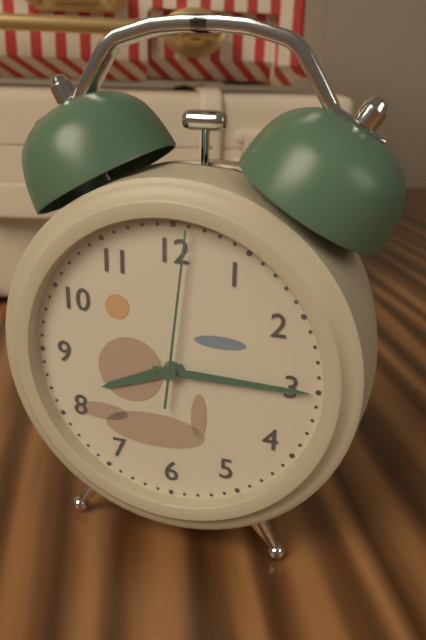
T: 8.15.01
